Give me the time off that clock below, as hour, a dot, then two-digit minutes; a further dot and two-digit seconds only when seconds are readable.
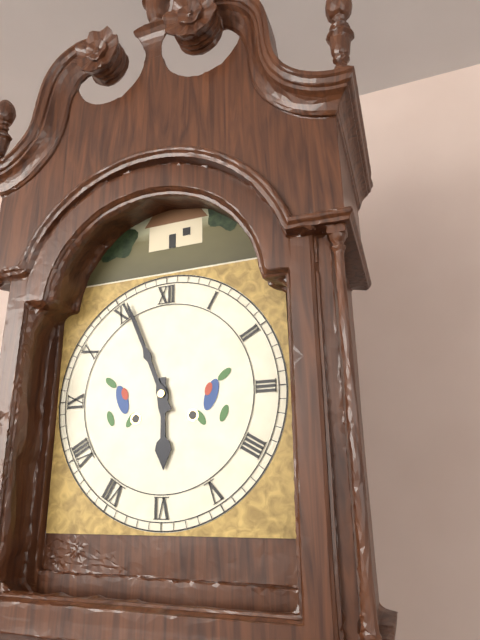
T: 5.56
